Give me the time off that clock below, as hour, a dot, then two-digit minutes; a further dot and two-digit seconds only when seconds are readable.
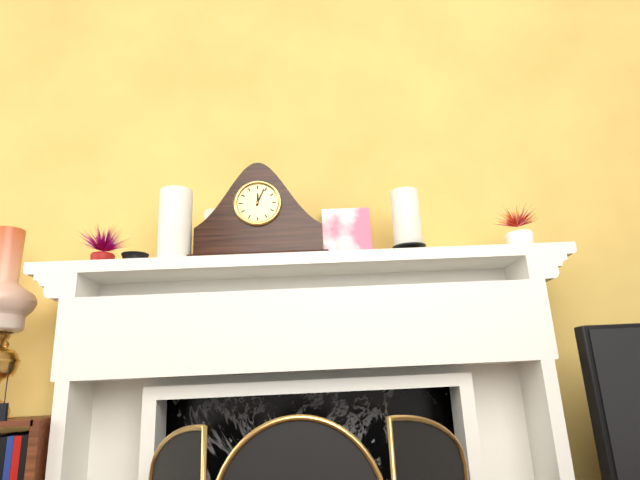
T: 12.04
